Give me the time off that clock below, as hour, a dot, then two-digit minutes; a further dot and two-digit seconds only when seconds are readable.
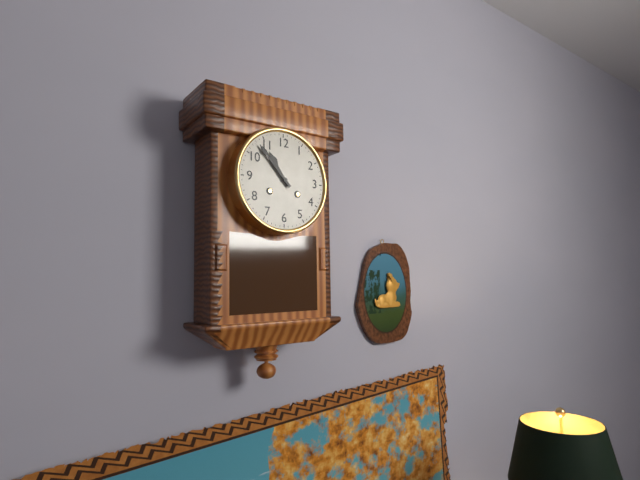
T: 10.53
